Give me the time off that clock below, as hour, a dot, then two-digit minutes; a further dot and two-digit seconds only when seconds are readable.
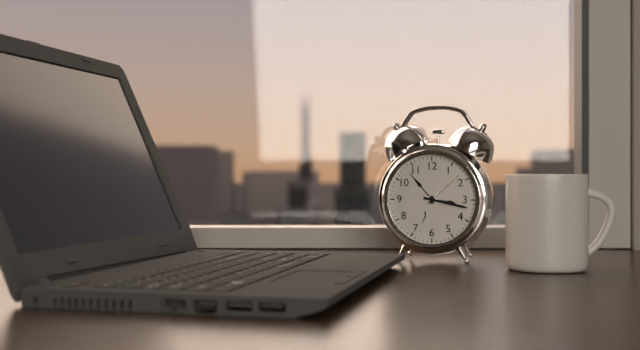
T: 3.17
